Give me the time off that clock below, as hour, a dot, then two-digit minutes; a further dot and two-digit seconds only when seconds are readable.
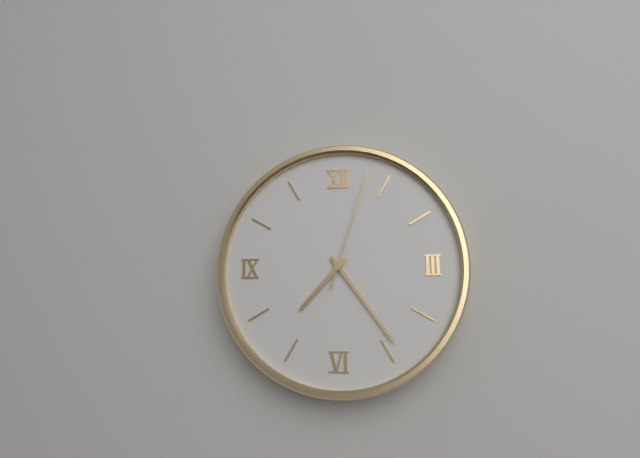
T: 7.24.03
